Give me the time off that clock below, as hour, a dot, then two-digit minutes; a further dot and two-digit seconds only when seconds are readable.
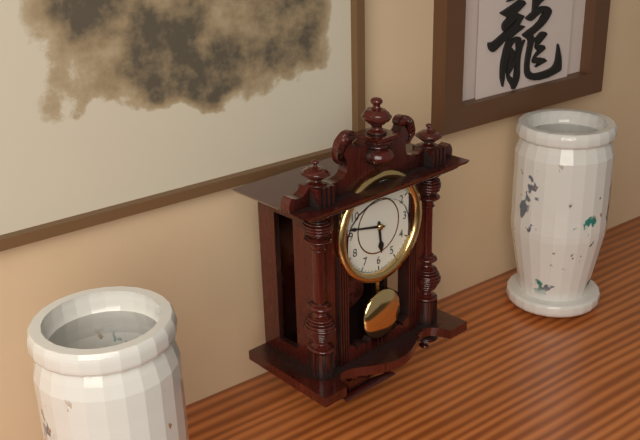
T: 5.47
